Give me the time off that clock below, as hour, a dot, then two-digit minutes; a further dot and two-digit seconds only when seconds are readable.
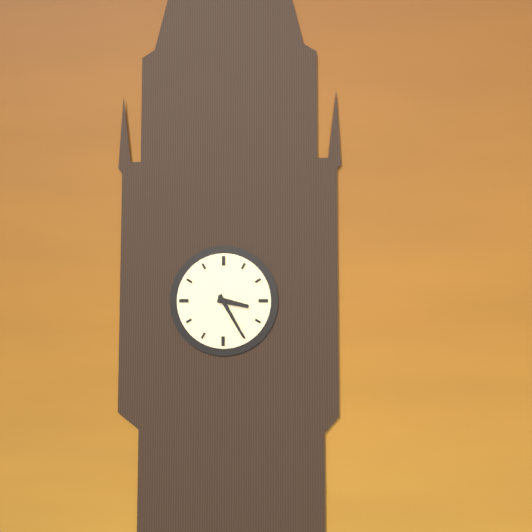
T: 3.25
